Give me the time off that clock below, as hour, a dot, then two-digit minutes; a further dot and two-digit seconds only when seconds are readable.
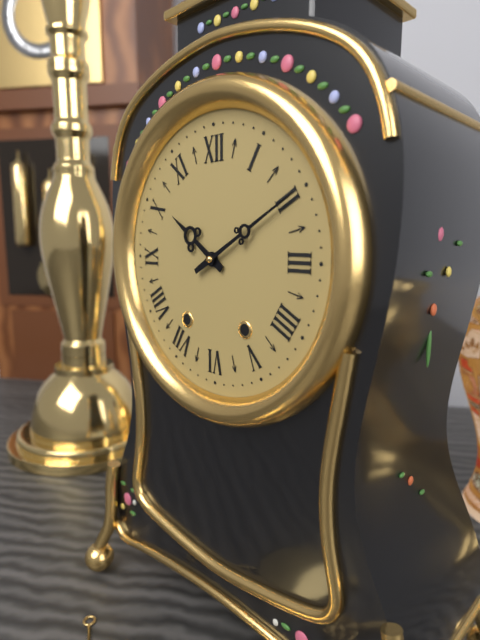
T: 10.10
